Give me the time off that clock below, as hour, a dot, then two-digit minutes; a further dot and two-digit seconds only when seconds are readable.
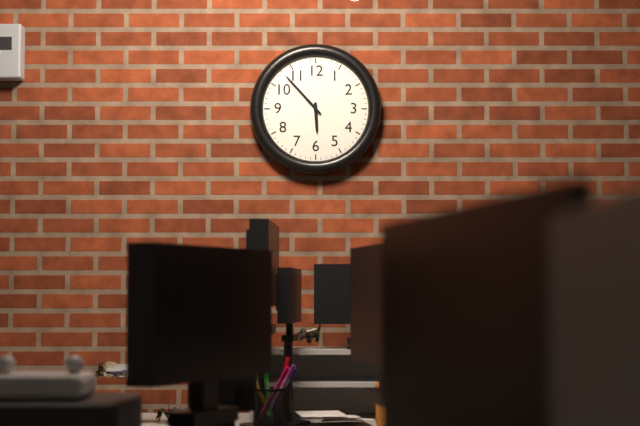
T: 5.53
